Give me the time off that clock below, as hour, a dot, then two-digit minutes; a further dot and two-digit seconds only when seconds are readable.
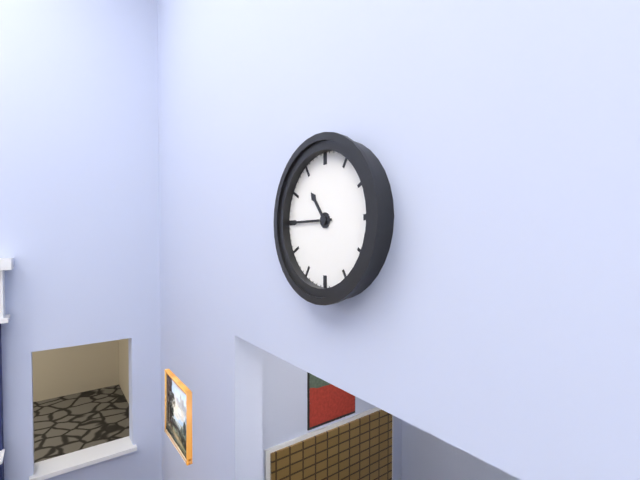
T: 10.45
